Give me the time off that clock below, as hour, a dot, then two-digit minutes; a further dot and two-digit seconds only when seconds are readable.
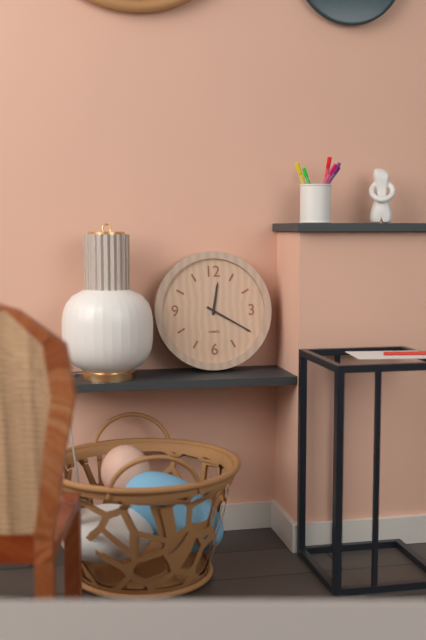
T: 12.20
